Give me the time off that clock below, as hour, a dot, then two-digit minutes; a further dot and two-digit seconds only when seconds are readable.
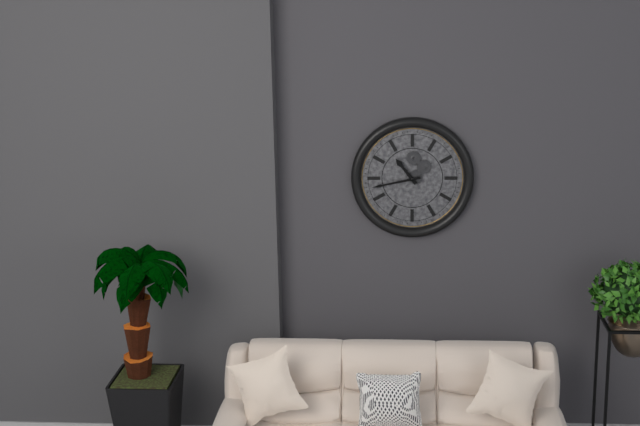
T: 10.43
